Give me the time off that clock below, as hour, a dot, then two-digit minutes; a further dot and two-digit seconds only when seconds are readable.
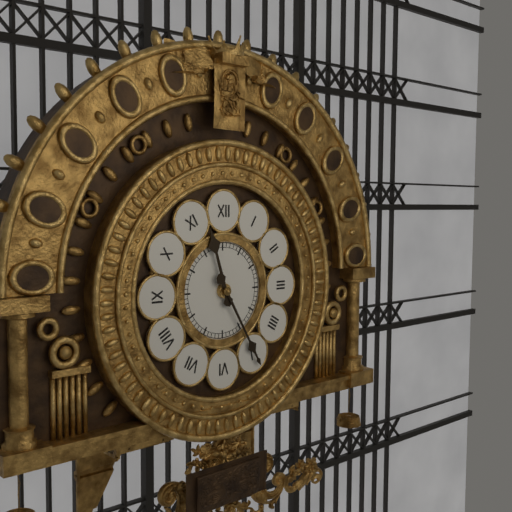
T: 11.25
